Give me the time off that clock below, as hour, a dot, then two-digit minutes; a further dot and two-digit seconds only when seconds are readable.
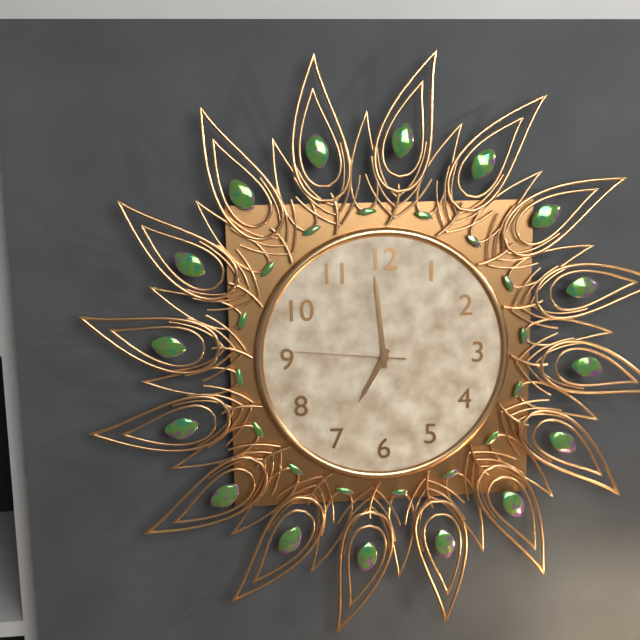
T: 6.59.46
